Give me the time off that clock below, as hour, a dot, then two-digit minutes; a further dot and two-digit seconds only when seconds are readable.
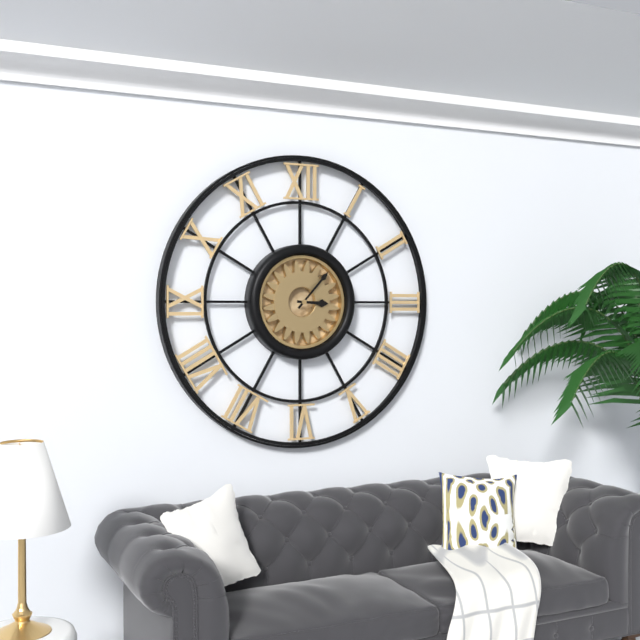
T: 3.07
